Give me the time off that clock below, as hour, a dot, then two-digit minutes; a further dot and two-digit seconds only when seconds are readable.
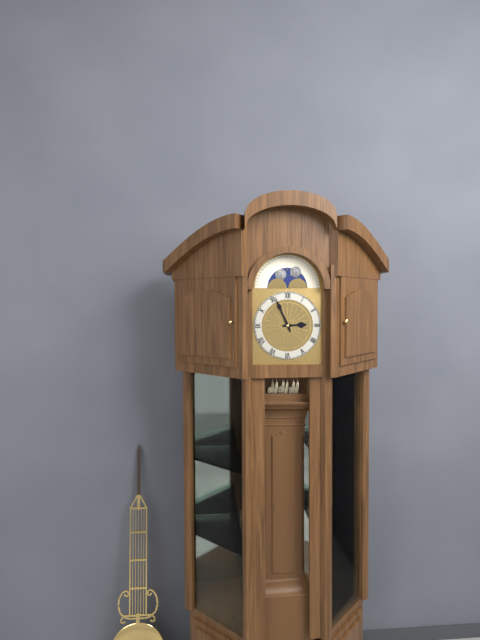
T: 2.56
